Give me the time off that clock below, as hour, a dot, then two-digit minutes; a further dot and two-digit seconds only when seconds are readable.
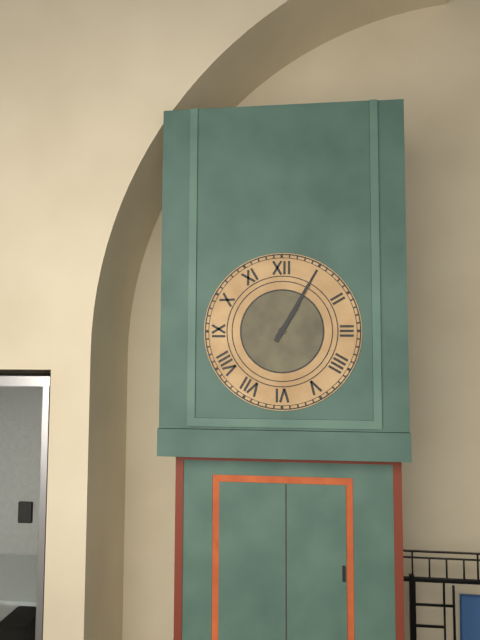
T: 1.05
